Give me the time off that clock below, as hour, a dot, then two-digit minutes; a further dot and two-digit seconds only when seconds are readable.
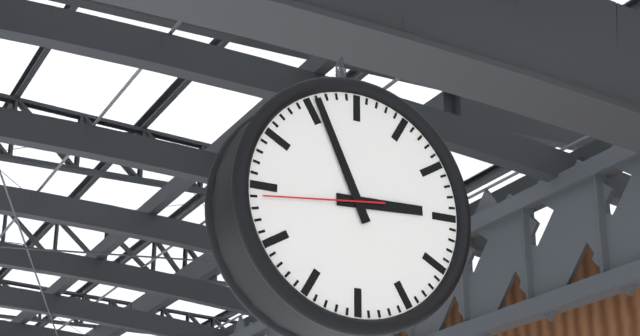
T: 2.56.44
